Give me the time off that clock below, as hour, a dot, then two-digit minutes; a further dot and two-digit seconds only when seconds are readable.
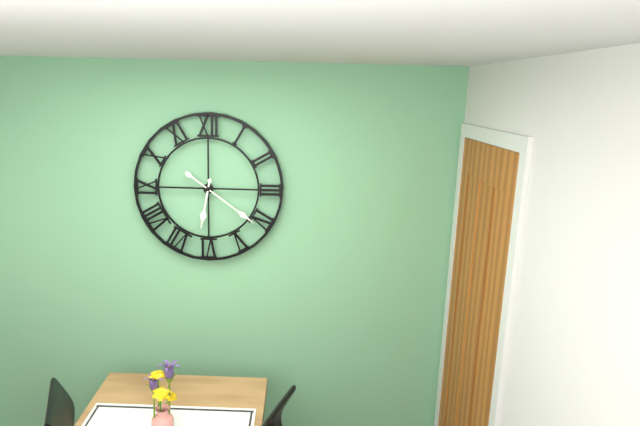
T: 6.21
